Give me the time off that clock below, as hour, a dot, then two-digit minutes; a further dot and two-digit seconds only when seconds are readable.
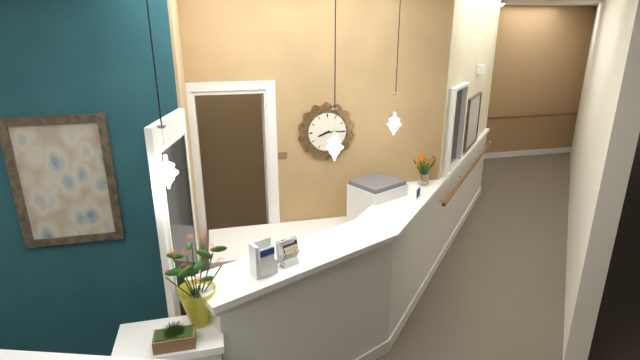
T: 8.15
